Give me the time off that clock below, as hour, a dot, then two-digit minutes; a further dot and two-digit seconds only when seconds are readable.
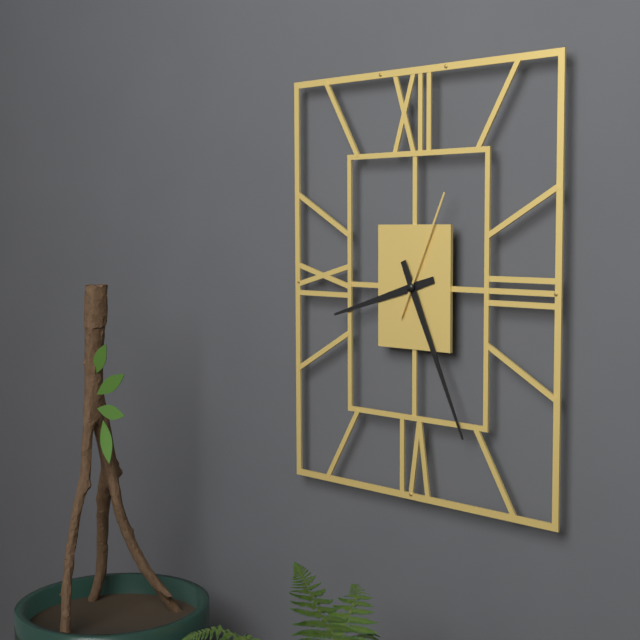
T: 8.26.04
